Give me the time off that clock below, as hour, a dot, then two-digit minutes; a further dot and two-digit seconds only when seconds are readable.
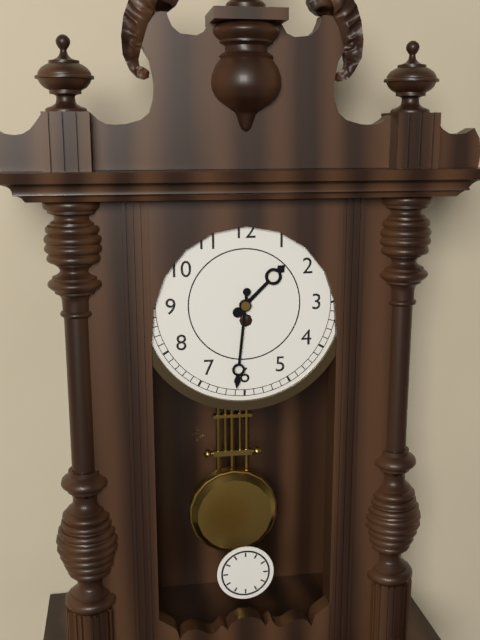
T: 1.31
